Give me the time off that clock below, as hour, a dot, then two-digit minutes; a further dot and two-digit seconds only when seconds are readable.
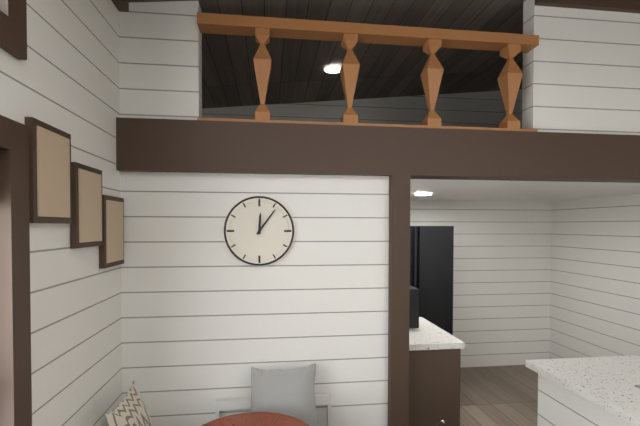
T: 12.06
